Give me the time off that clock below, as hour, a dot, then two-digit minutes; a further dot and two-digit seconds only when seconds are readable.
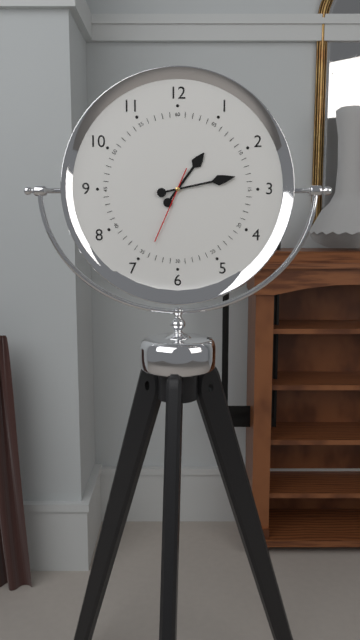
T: 1.13.34
